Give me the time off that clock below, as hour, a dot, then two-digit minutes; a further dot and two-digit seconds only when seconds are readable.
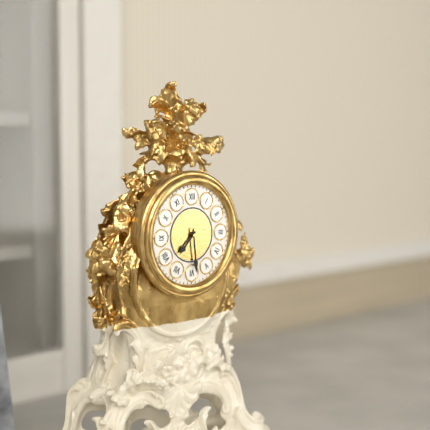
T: 7.29
